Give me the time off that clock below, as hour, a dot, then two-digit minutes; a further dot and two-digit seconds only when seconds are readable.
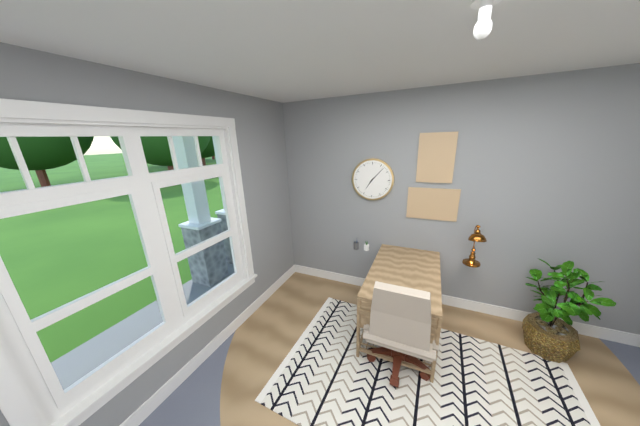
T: 7.07
